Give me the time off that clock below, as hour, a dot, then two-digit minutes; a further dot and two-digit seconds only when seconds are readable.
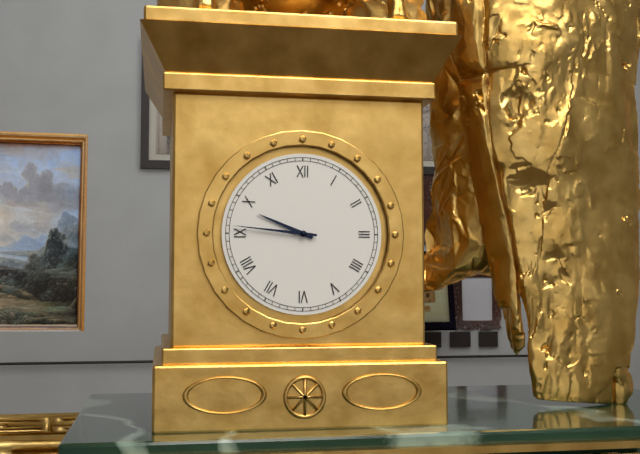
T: 9.46
